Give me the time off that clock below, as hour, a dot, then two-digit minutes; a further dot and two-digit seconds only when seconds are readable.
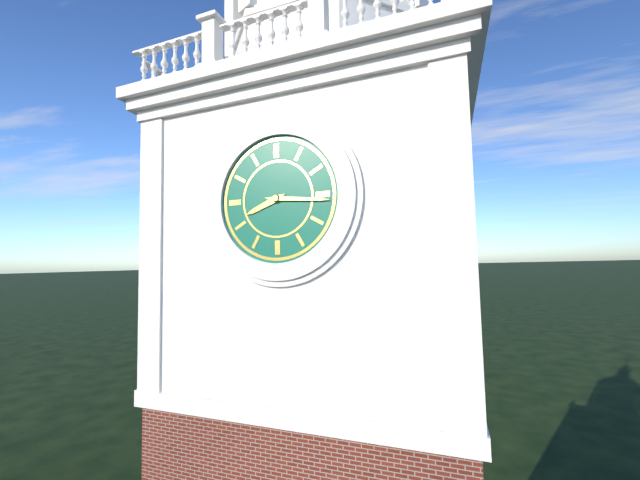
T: 8.16
